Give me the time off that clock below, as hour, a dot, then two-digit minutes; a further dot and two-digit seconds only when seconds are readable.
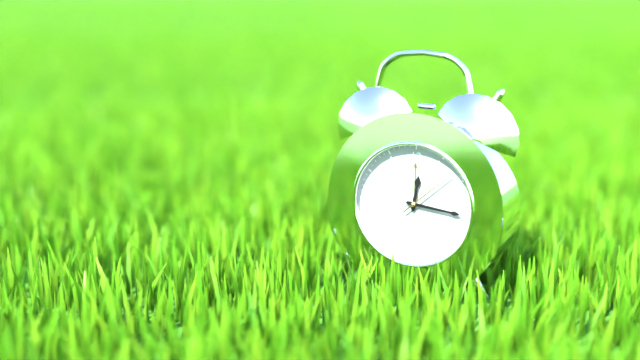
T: 12.16.08
